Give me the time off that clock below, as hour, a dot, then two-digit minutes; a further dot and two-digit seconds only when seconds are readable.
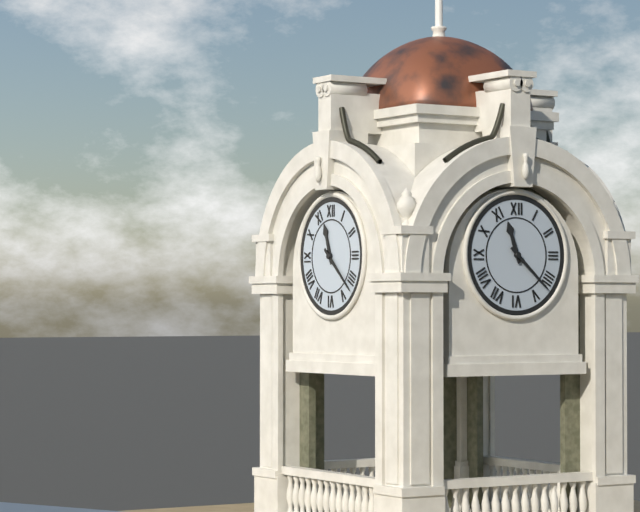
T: 11.22
